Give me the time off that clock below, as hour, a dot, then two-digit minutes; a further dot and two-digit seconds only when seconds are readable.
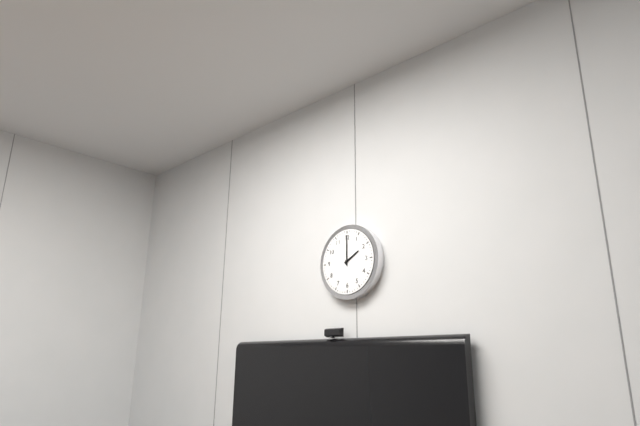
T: 2.00
